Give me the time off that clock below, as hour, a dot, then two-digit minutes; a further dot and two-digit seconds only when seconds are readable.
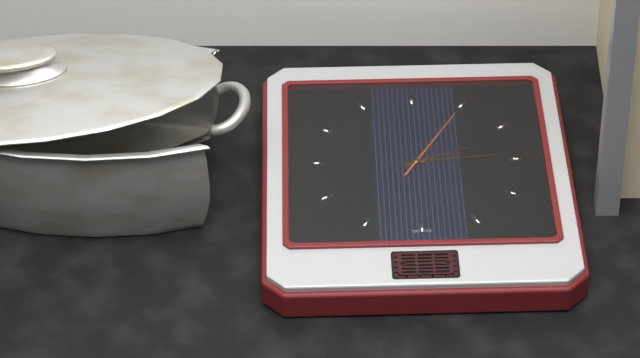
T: 2.14.05
